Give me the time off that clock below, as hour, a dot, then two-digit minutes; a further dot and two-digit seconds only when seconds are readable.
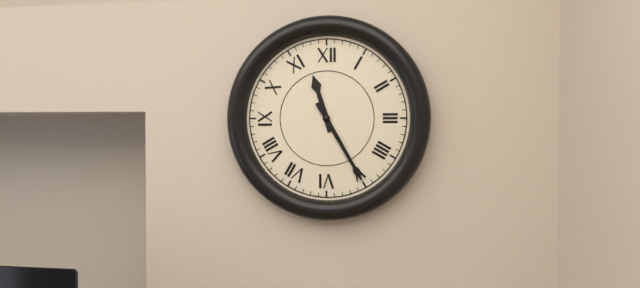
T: 11.25
